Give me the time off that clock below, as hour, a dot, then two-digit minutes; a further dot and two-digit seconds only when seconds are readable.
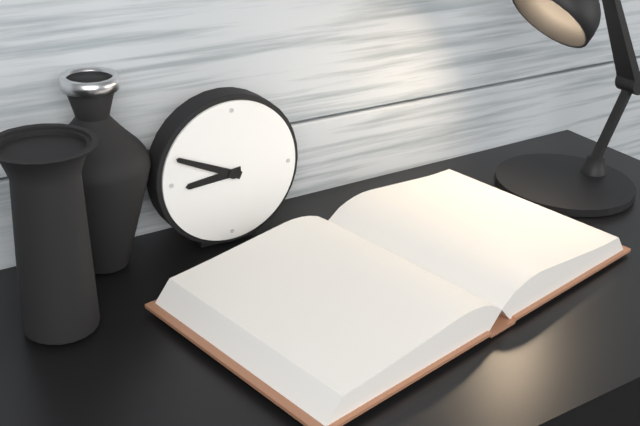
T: 8.49
